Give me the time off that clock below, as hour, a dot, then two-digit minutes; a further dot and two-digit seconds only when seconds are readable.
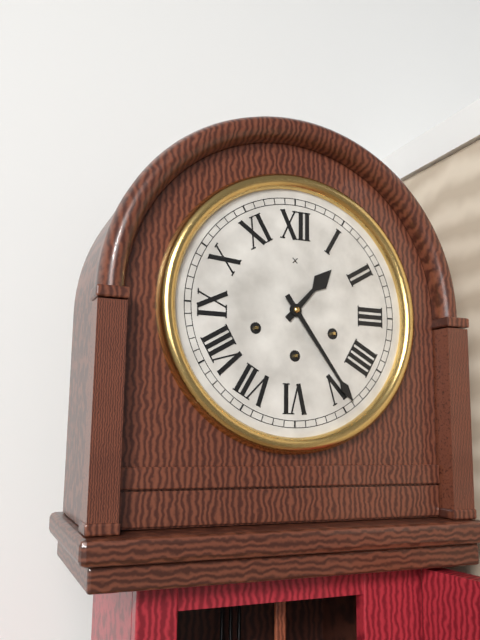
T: 1.24
